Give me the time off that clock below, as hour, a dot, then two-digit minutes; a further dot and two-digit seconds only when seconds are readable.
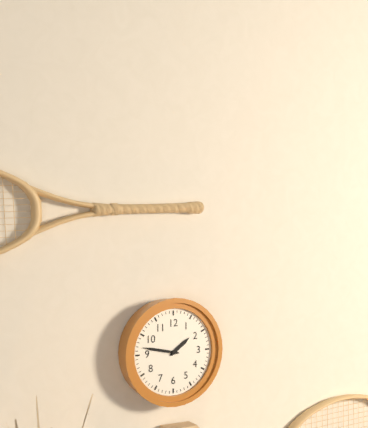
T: 1.47
